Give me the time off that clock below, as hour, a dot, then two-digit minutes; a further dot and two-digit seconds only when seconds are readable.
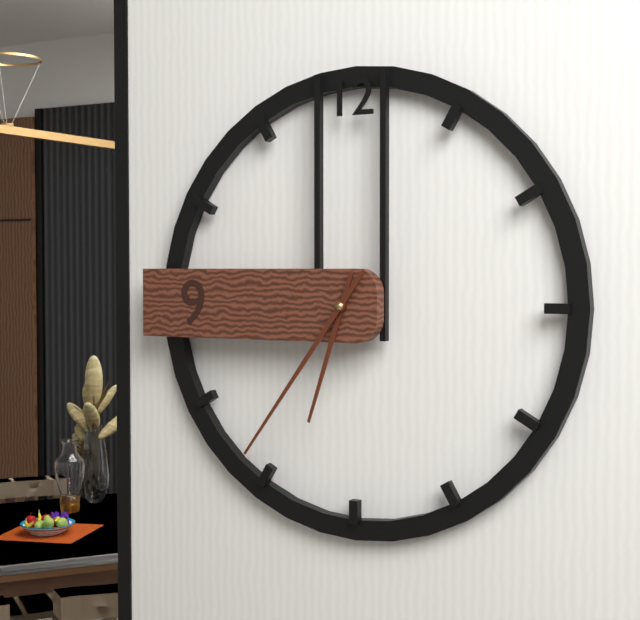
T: 6.36
